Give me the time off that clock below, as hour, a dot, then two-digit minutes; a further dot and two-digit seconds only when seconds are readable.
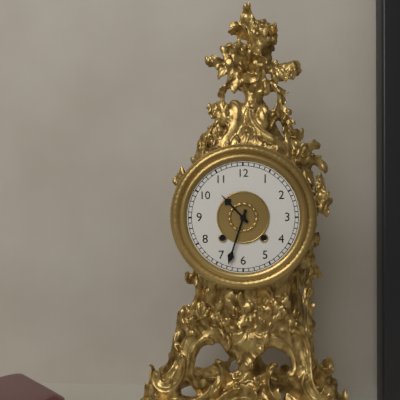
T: 10.33
